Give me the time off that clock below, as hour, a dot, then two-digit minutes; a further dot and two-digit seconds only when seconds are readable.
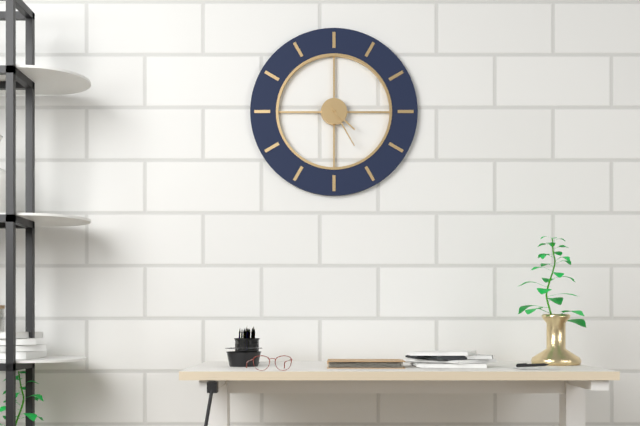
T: 4.25
